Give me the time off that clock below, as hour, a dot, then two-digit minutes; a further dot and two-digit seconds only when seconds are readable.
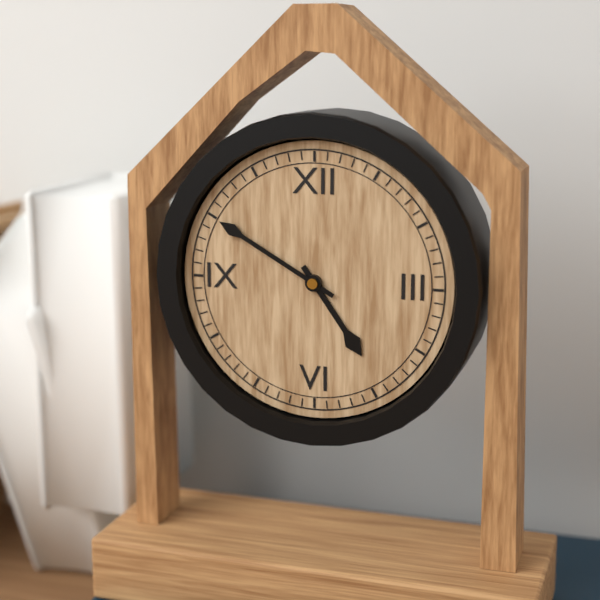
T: 4.50
